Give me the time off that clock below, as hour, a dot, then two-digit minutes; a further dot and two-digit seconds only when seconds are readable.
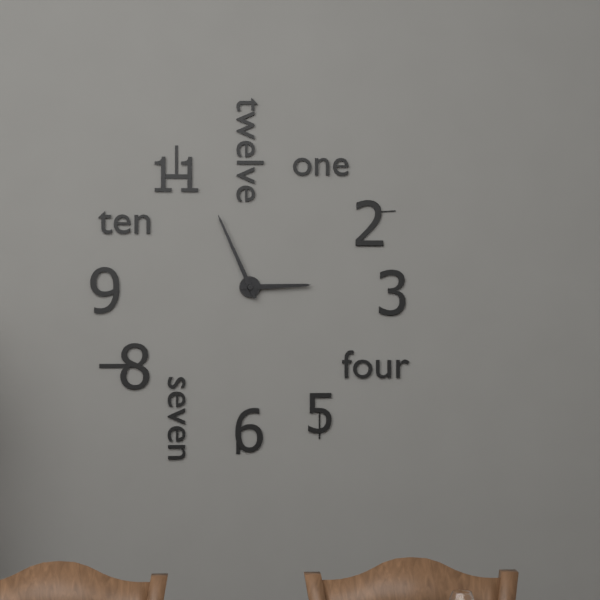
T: 2.56
